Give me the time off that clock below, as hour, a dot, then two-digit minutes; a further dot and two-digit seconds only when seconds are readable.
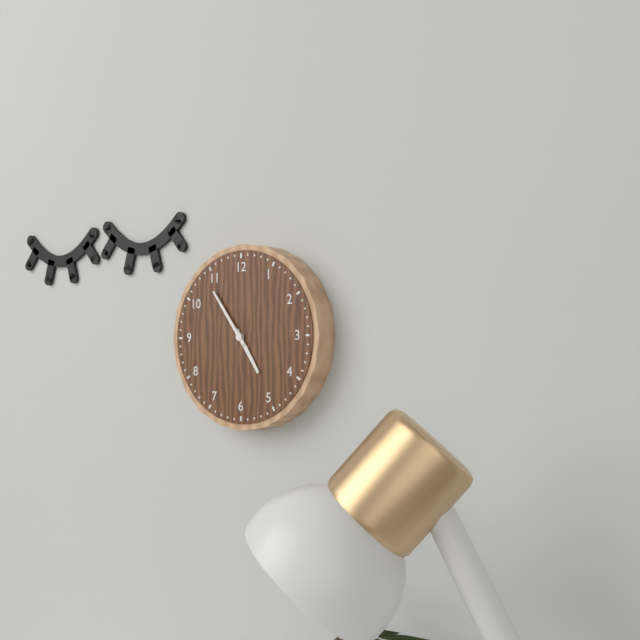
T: 4.54
